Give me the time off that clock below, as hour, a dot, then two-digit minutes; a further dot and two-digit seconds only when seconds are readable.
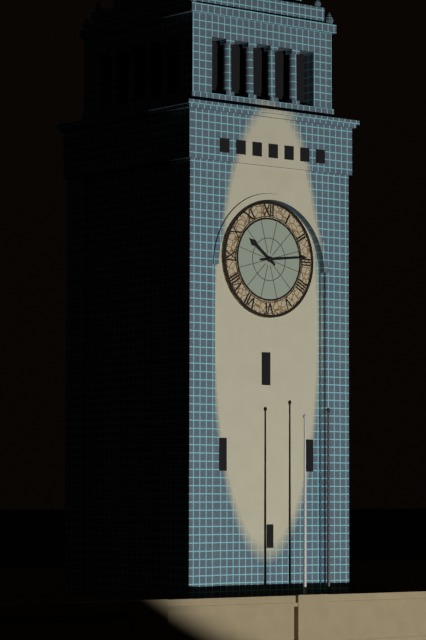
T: 10.14
